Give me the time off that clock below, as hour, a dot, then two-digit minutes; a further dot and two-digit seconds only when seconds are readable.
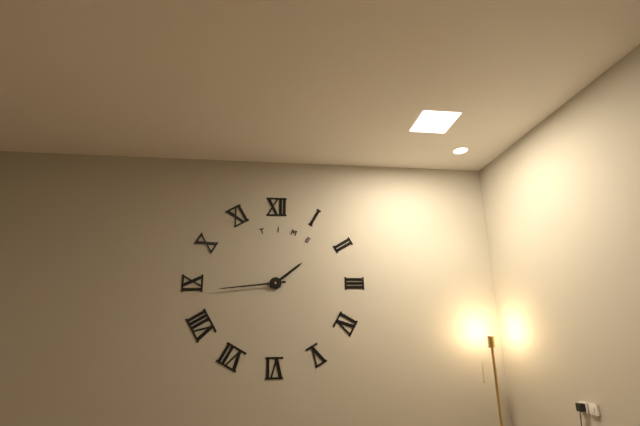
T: 1.44
